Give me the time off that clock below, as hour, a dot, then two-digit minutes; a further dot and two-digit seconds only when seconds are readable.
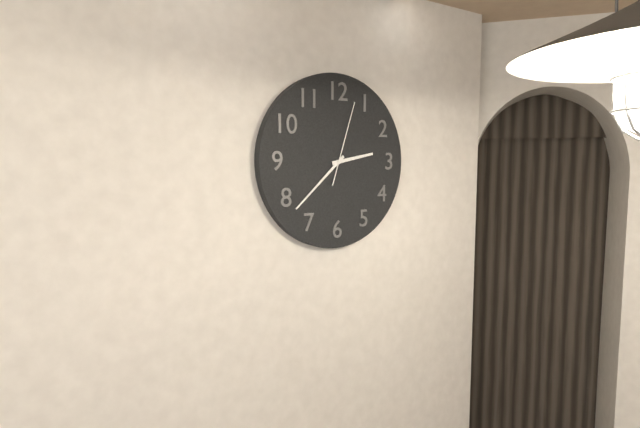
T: 2.38.03
